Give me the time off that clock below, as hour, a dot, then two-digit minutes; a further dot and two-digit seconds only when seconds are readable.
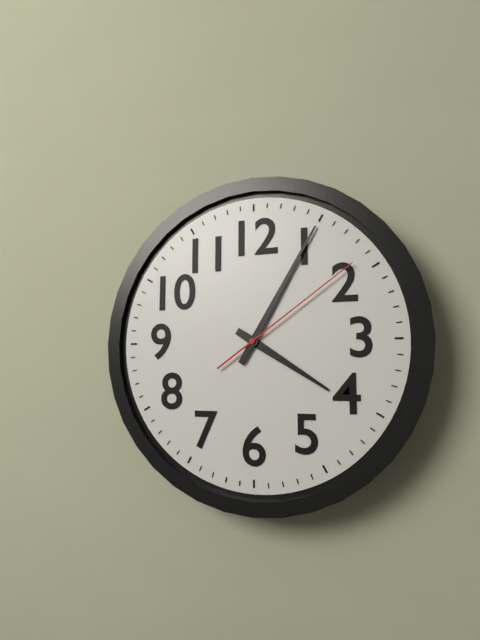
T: 4.05.09
